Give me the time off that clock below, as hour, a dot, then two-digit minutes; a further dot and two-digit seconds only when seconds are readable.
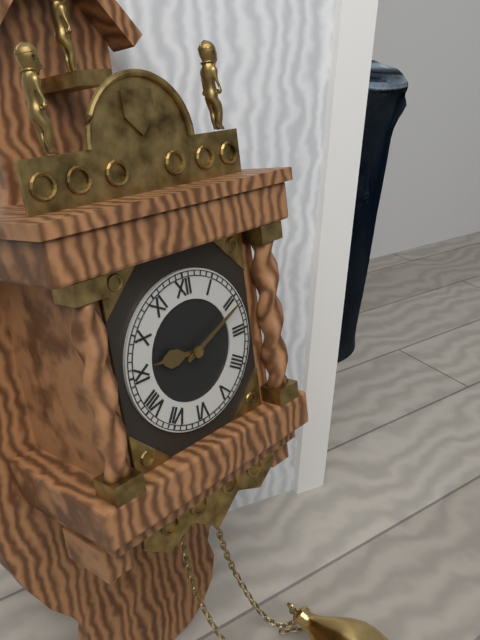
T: 9.11
